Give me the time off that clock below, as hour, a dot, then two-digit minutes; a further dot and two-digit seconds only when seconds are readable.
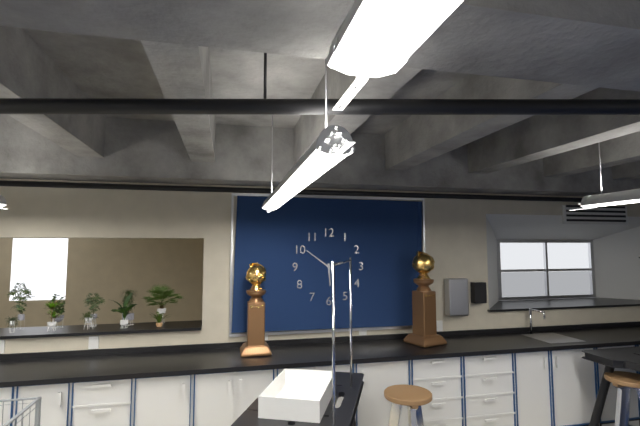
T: 5.51
